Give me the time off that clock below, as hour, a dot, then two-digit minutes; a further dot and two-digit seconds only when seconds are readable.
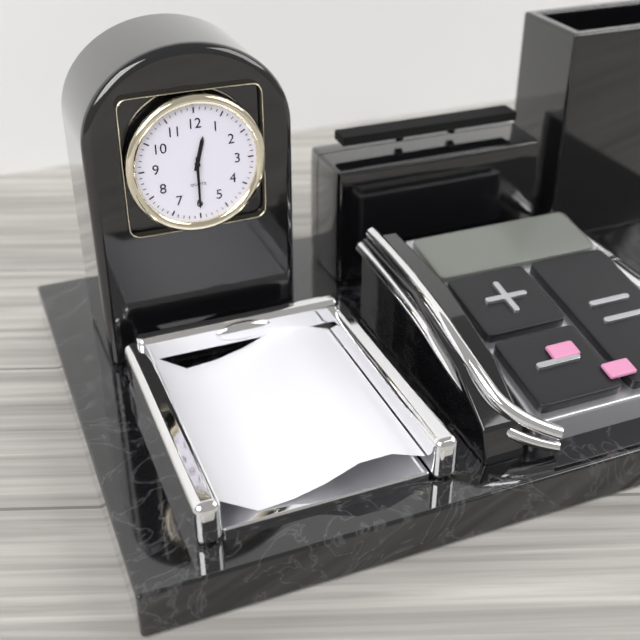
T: 12.30
